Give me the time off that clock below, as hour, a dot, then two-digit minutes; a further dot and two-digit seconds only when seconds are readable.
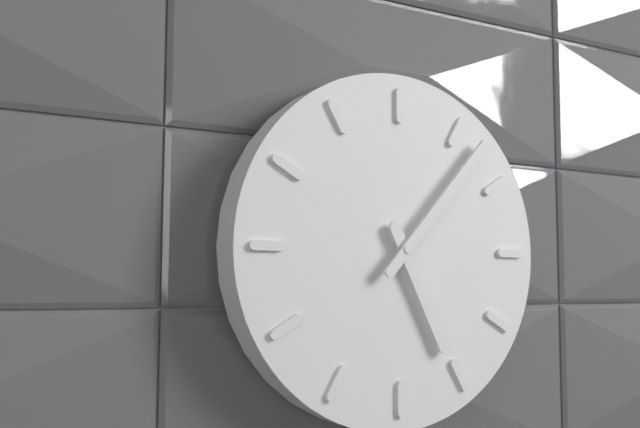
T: 5.07
